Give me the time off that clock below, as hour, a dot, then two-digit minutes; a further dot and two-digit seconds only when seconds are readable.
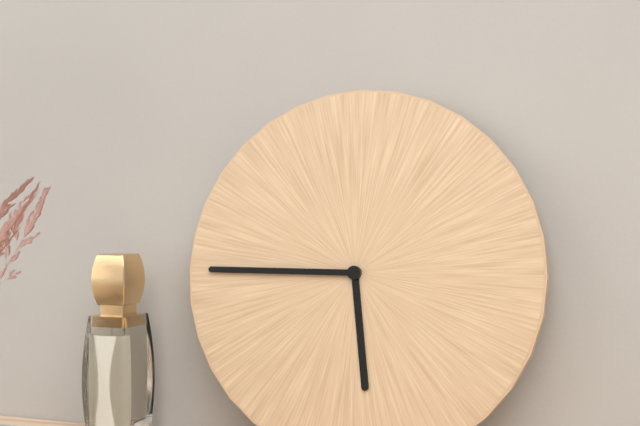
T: 5.45
